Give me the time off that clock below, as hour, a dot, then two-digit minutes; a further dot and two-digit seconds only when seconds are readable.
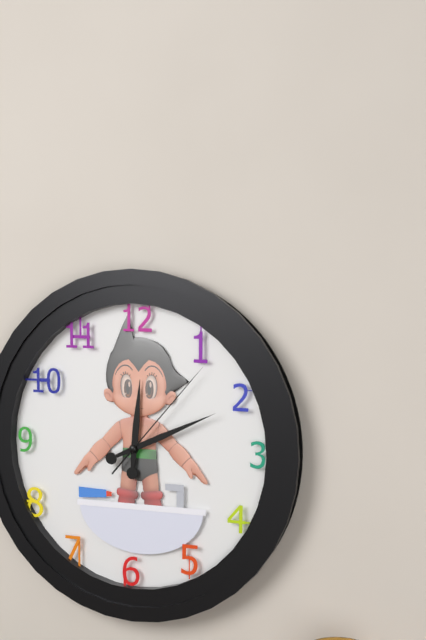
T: 12.11.07
